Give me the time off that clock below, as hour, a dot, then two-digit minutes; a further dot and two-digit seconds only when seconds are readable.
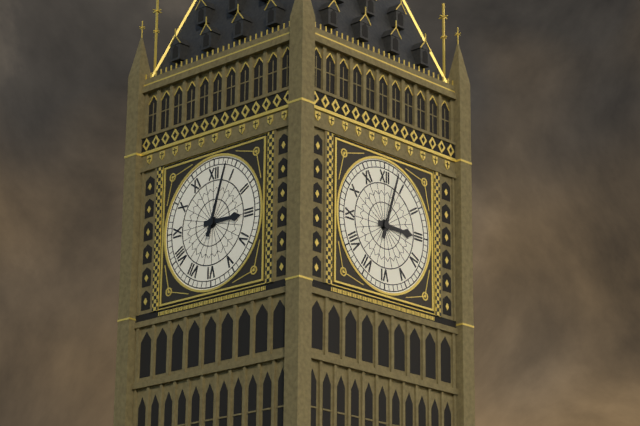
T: 3.03
